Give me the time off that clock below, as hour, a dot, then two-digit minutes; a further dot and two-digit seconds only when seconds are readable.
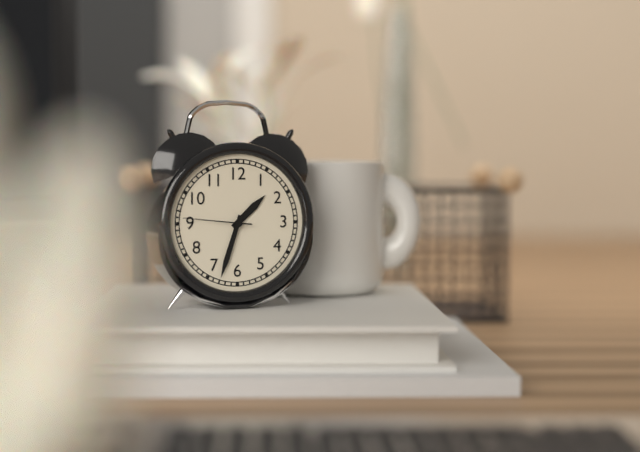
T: 1.33.46
